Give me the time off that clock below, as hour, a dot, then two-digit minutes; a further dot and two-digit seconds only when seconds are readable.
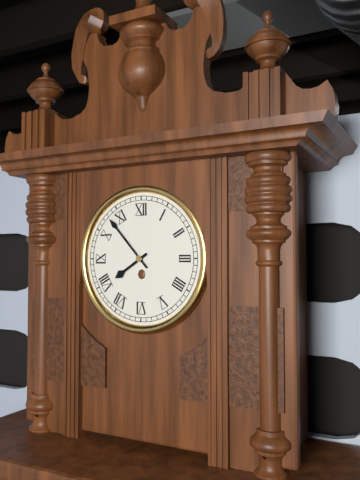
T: 7.53
